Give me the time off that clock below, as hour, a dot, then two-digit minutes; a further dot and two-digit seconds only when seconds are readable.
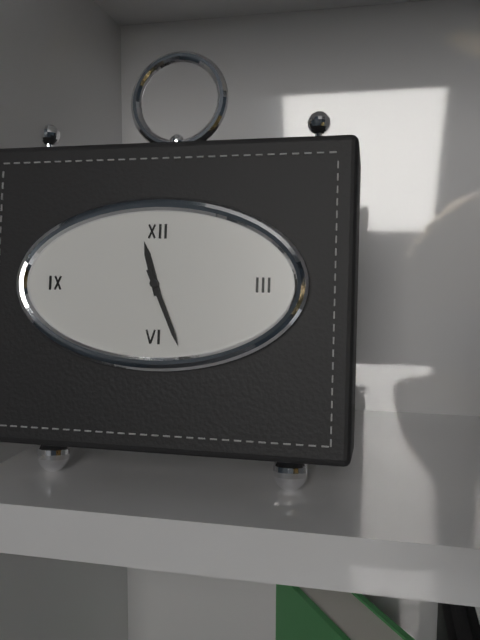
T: 11.26
